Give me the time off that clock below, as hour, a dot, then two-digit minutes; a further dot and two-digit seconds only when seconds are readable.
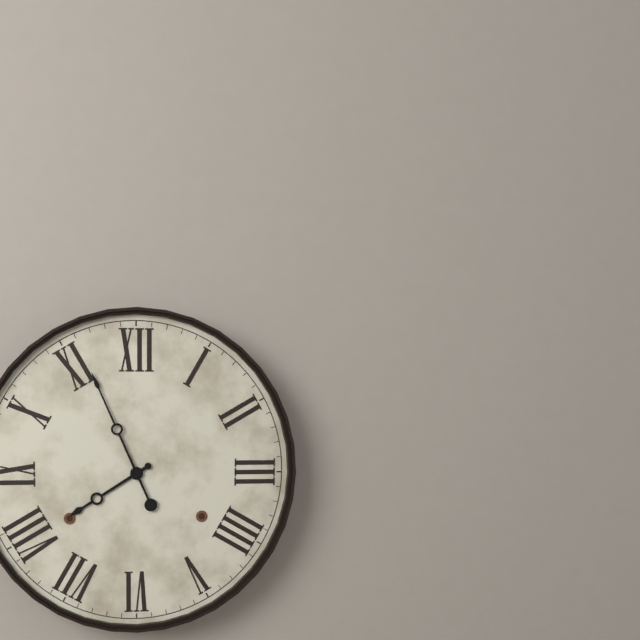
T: 7.56
